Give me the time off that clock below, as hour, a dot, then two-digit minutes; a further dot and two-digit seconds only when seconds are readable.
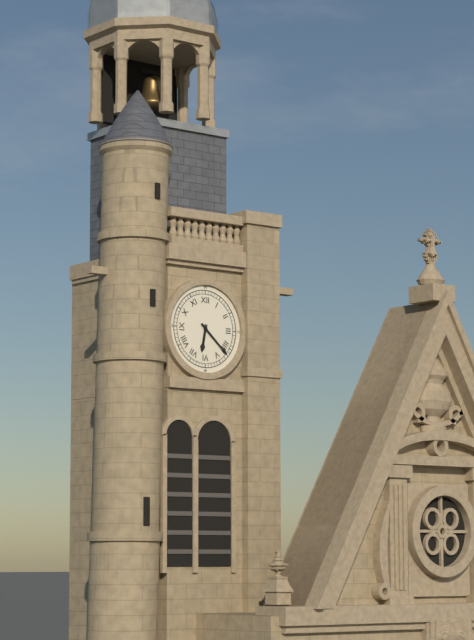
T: 6.22
